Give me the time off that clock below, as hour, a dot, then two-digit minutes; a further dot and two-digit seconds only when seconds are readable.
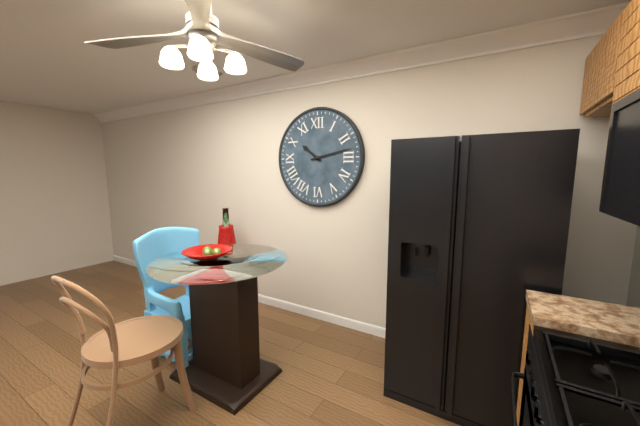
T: 10.13
